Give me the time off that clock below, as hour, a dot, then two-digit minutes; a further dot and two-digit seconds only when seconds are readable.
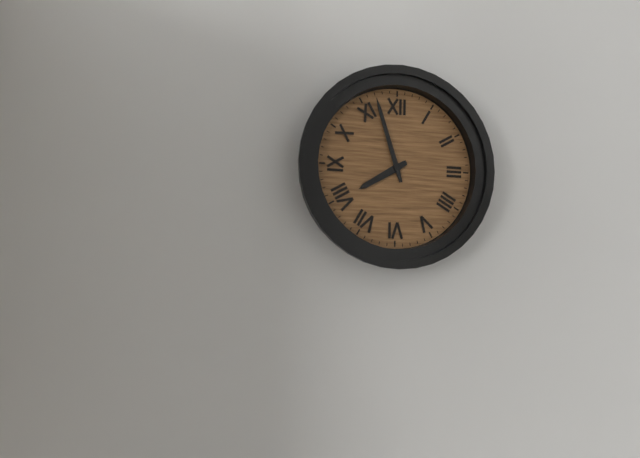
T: 7.57
